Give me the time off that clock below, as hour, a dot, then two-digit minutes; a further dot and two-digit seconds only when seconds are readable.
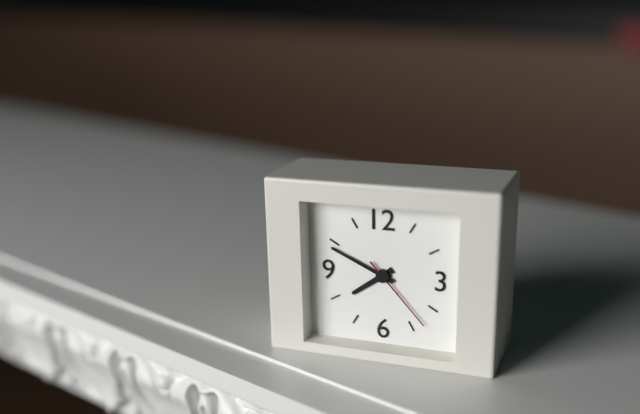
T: 7.49.23
